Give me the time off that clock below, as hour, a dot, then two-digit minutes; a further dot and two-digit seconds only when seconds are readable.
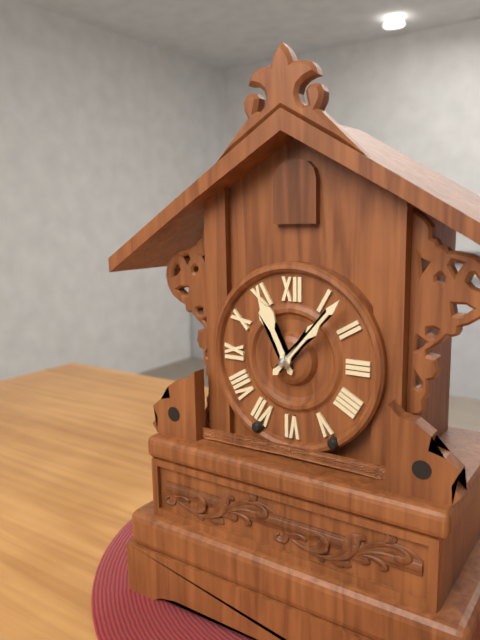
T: 11.07
